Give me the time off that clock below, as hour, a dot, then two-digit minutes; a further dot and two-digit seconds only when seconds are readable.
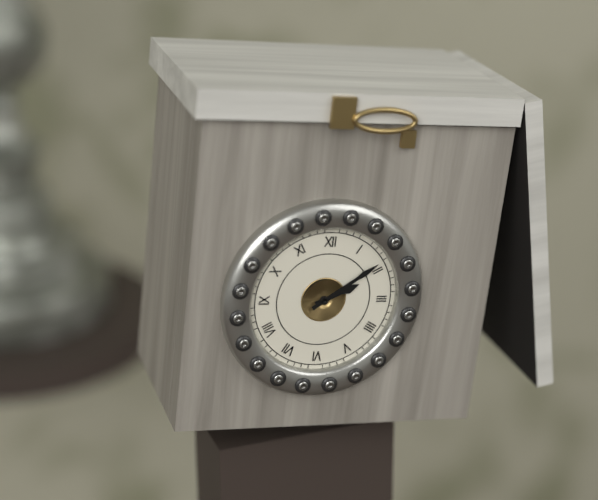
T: 2.09
